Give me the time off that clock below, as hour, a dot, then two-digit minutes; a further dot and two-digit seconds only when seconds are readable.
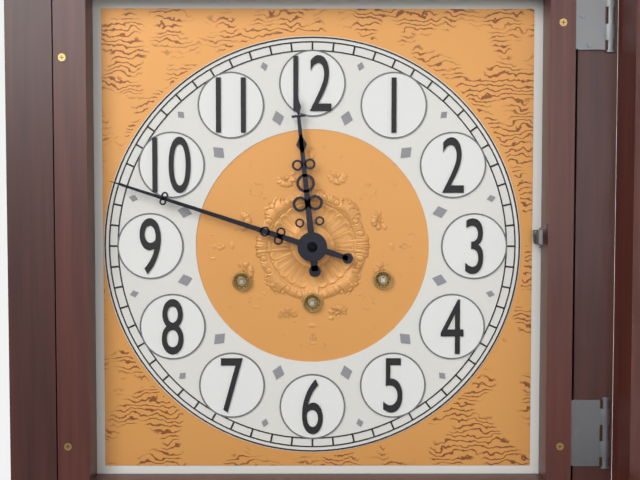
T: 11.48
